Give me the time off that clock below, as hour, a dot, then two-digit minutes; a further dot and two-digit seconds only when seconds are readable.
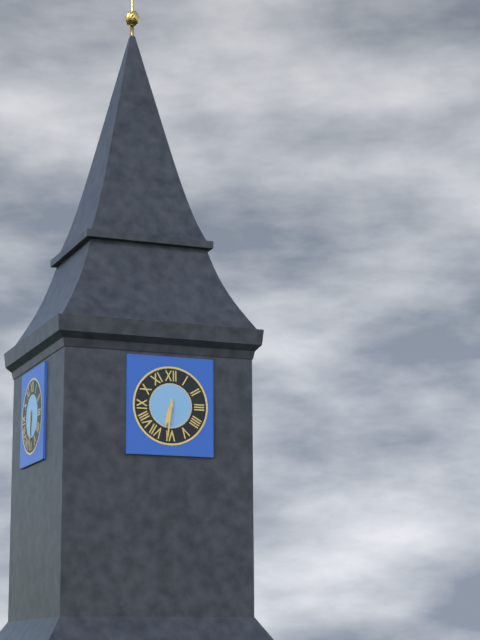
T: 6.31
